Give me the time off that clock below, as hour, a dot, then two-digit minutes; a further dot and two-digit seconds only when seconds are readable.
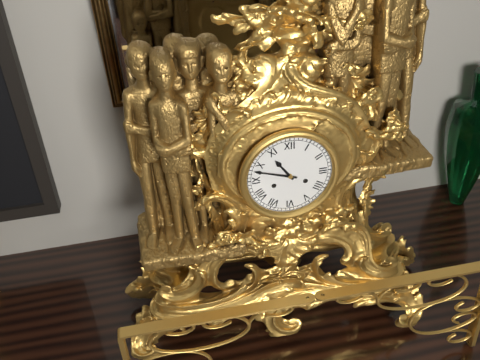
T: 10.48
